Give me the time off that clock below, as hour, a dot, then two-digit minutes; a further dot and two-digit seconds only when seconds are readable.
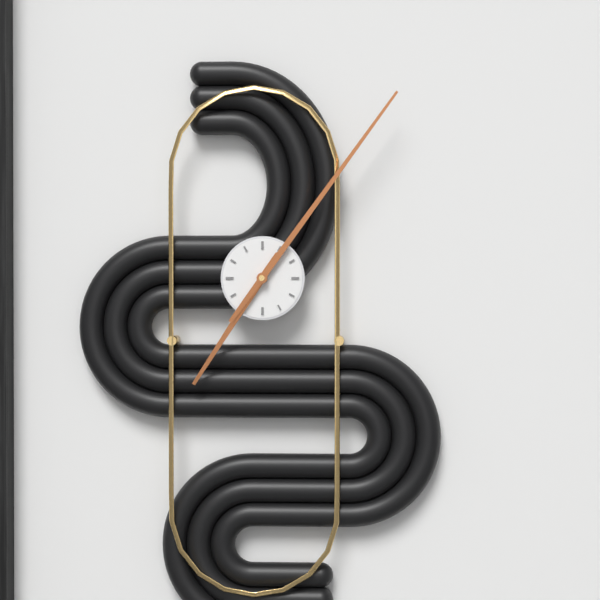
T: 7.06
